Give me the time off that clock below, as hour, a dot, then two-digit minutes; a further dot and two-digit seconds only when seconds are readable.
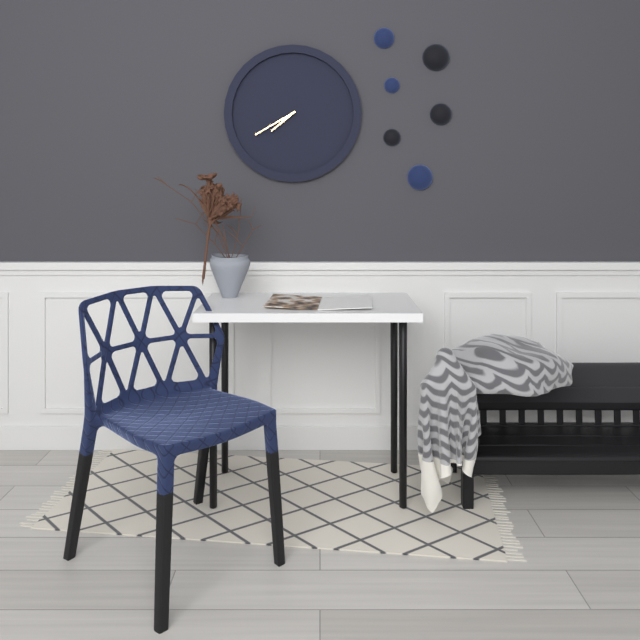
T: 7.40
